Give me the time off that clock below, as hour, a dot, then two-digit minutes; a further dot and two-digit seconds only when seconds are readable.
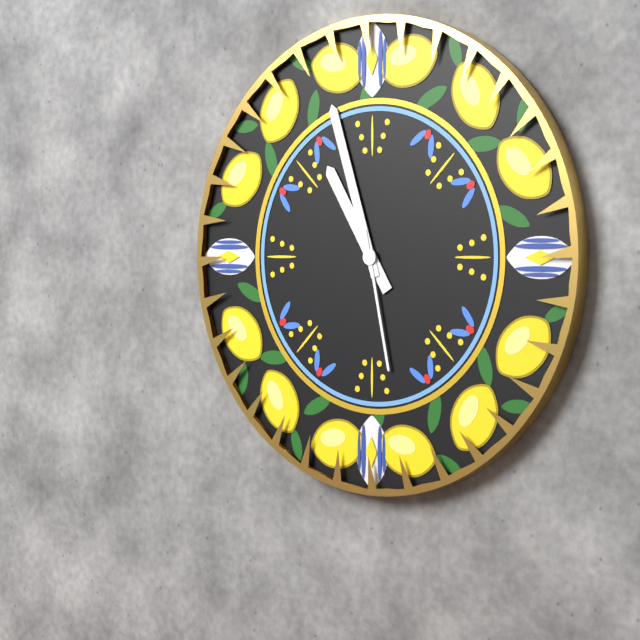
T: 10.57.28
